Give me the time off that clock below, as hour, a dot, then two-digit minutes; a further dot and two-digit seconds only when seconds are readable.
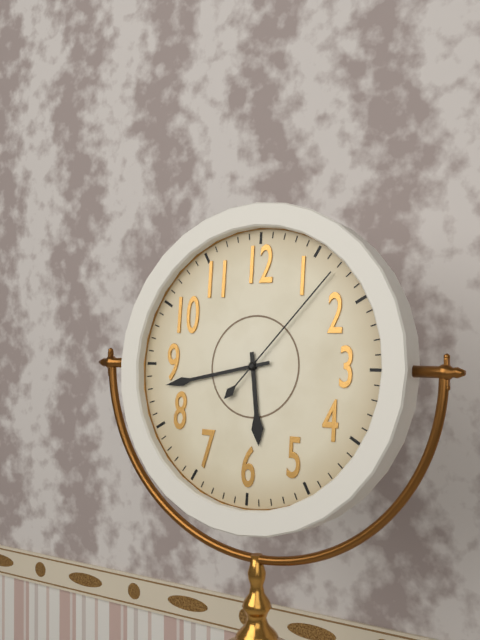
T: 5.43.07
